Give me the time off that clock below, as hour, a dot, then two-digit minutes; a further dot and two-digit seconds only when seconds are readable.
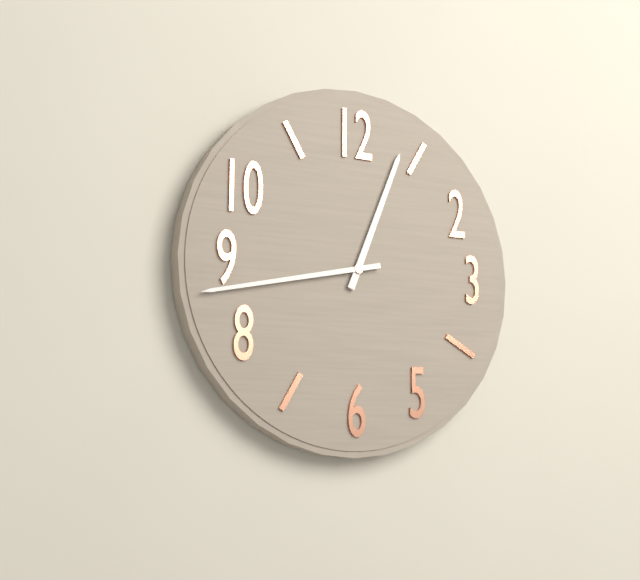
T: 12.43
